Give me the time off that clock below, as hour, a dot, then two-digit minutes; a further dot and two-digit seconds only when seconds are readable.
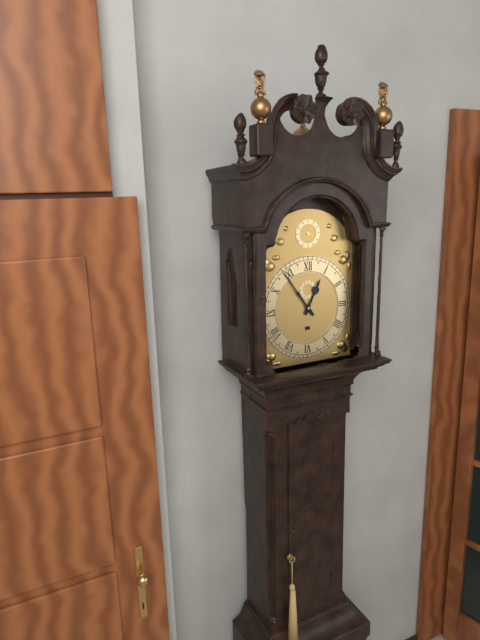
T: 12.54
